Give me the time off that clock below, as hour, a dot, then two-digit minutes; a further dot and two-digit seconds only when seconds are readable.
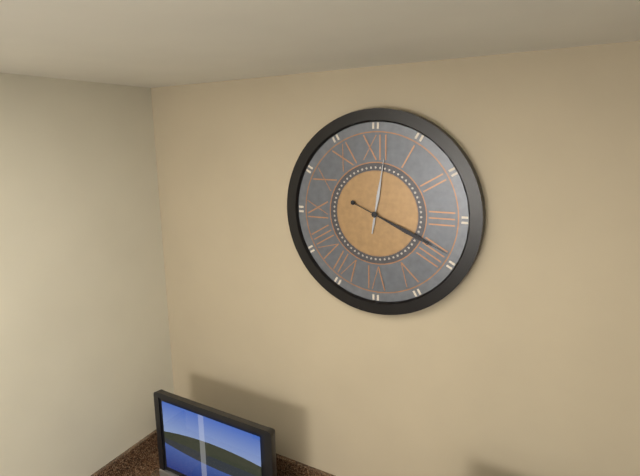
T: 12.19
